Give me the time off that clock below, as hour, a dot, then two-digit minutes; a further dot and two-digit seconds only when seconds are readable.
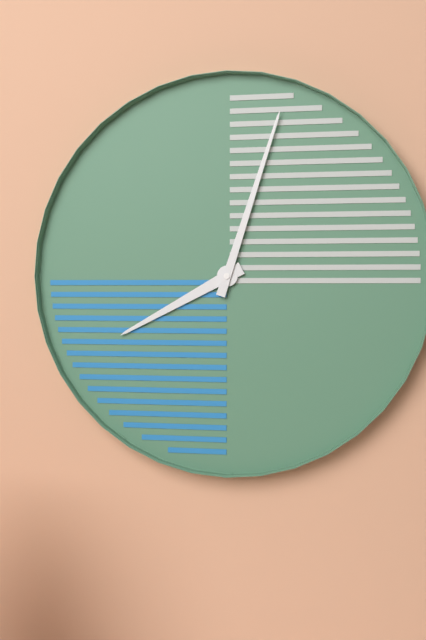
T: 8.03
